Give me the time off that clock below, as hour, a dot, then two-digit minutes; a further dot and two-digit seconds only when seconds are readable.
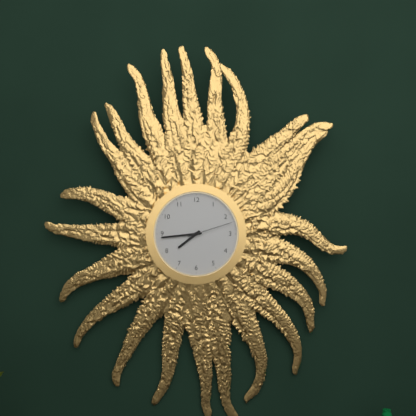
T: 7.44
